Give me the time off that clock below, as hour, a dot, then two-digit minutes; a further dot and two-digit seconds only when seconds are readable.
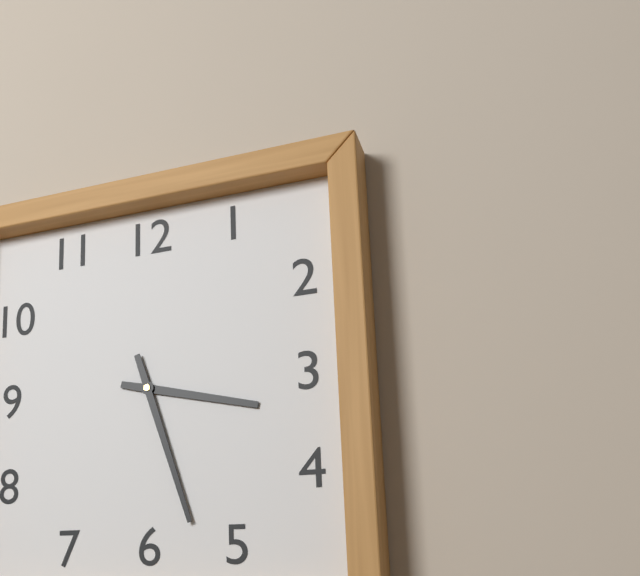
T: 3.27
